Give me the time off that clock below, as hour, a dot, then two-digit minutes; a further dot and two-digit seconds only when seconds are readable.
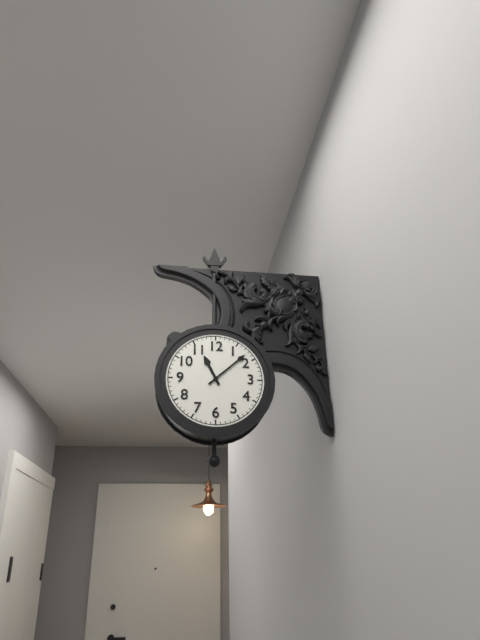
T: 11.08
